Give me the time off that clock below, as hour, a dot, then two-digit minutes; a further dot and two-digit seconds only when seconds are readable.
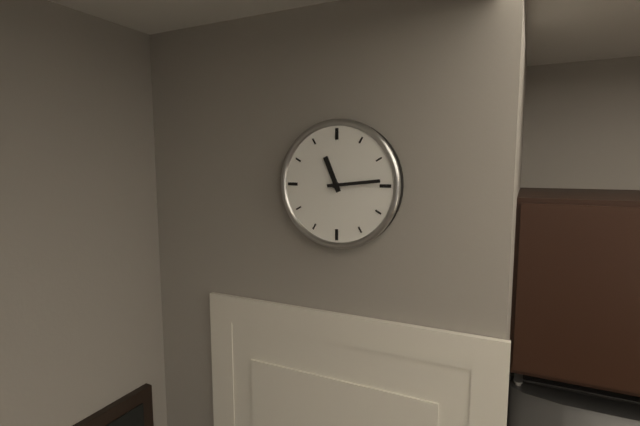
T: 11.14
